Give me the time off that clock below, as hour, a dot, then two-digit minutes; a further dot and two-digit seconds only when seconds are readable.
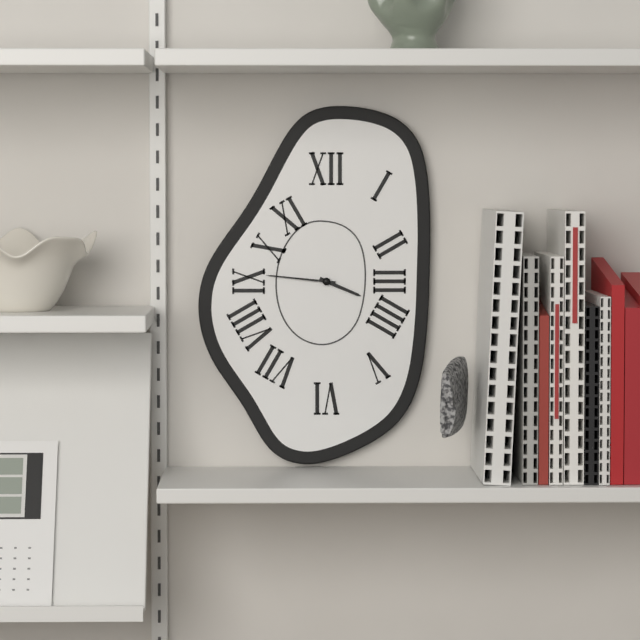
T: 3.46
